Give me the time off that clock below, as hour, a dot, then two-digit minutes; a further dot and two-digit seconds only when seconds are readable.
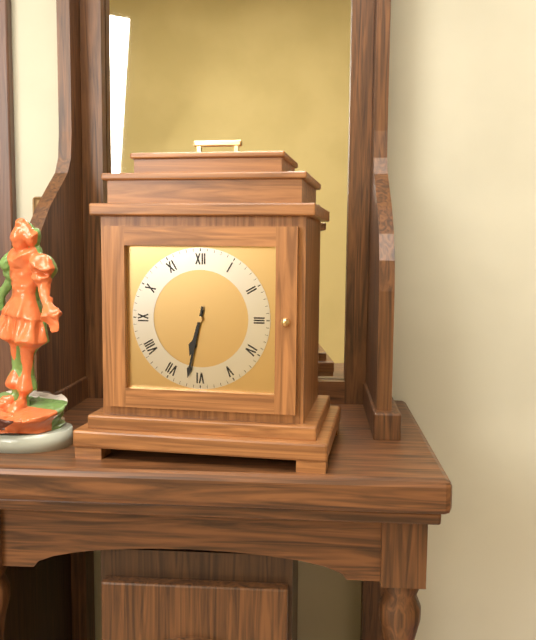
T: 6.32
